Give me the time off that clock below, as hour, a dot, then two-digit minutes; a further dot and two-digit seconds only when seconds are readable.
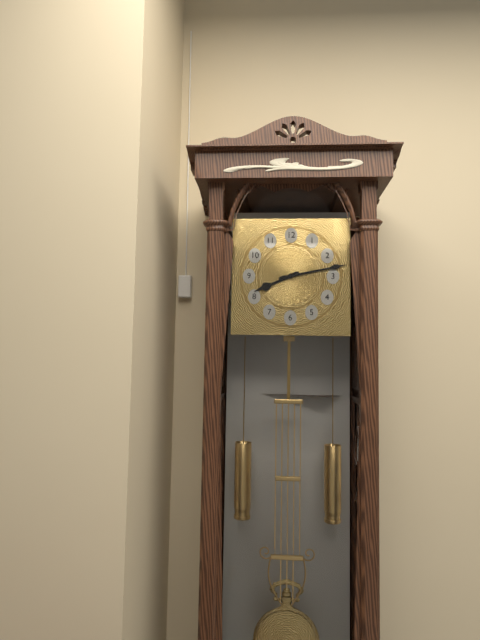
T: 8.13
